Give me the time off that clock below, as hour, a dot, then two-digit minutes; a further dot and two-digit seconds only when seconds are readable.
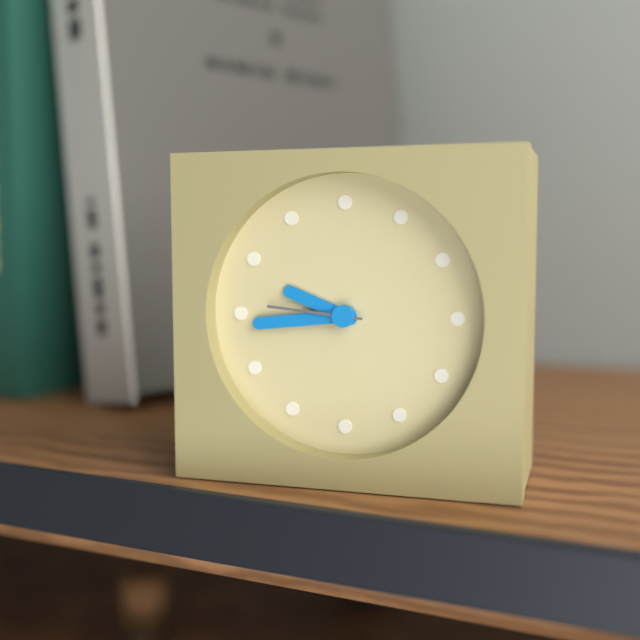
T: 9.44.46
